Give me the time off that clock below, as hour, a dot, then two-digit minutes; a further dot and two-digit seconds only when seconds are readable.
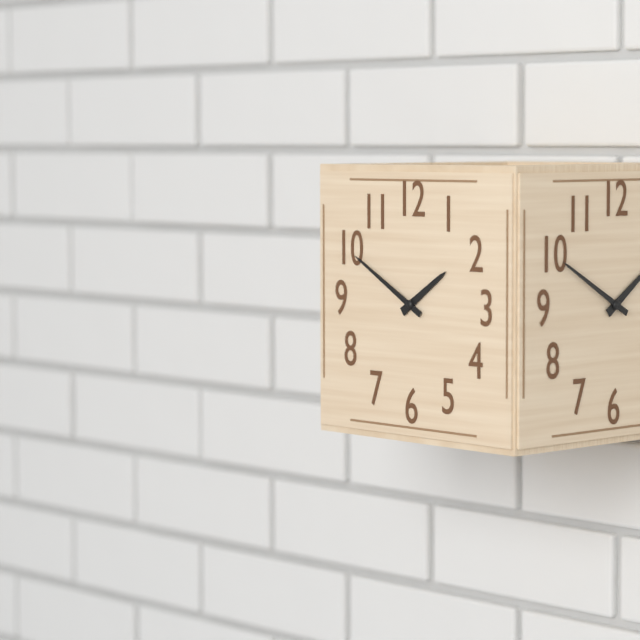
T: 1.50
